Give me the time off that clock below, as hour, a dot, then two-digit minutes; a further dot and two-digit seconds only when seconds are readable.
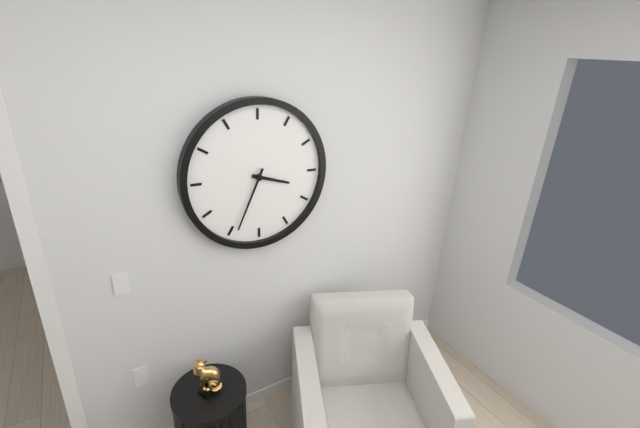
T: 3.34
